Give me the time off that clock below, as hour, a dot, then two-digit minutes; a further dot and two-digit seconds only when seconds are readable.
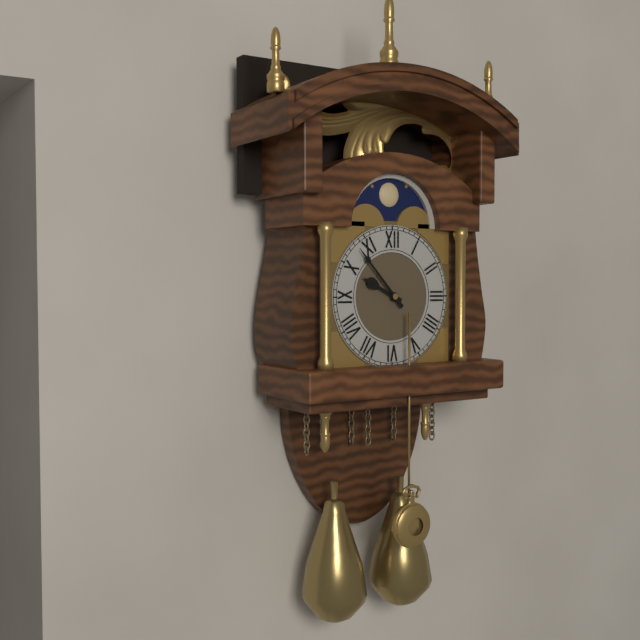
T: 9.53
